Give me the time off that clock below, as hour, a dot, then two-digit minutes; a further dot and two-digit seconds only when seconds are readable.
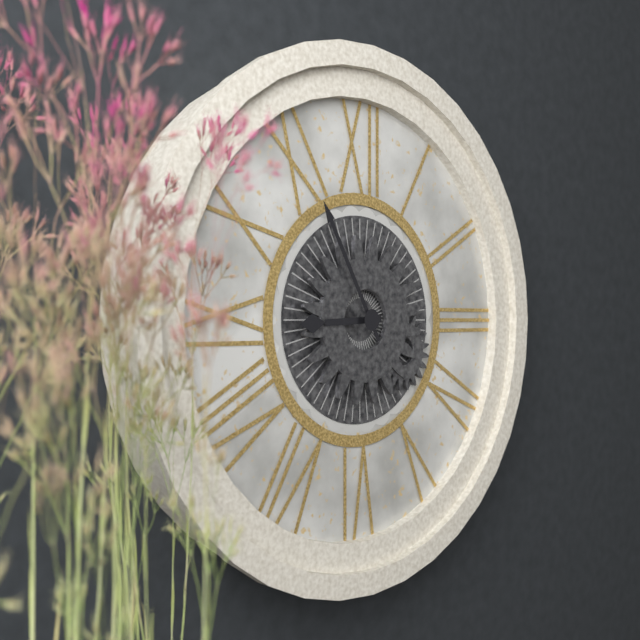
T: 8.55
